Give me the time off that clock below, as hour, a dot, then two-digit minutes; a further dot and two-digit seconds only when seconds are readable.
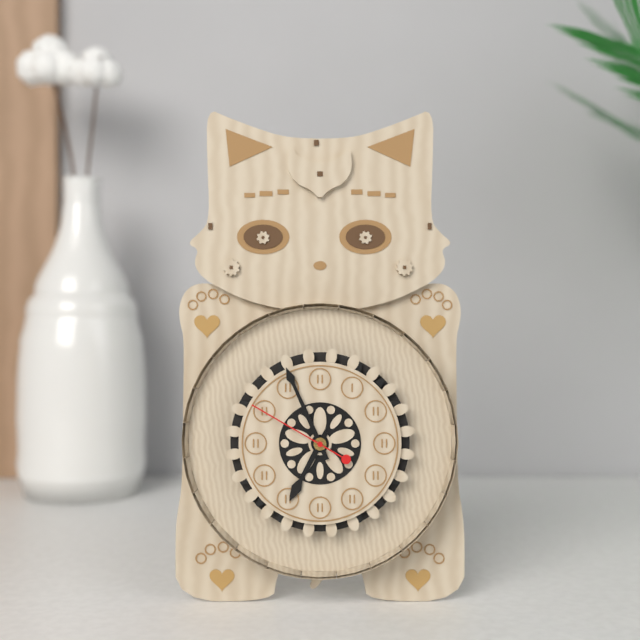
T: 6.56.50
